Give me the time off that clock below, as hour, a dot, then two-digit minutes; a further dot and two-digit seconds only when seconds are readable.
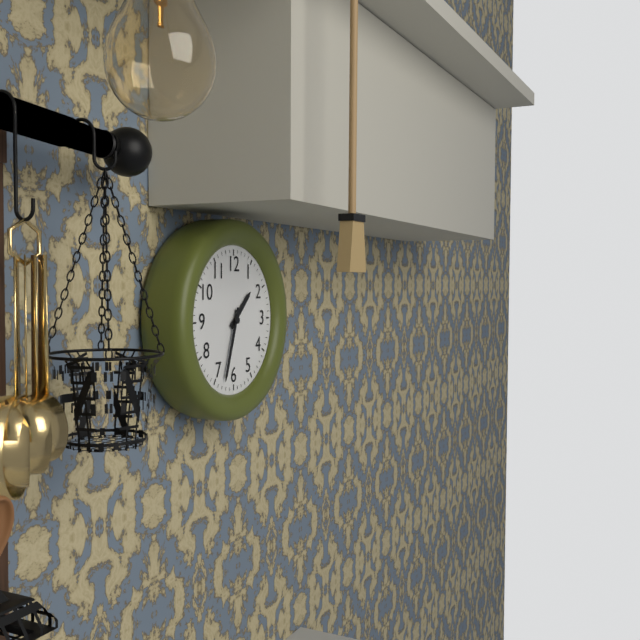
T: 1.33
